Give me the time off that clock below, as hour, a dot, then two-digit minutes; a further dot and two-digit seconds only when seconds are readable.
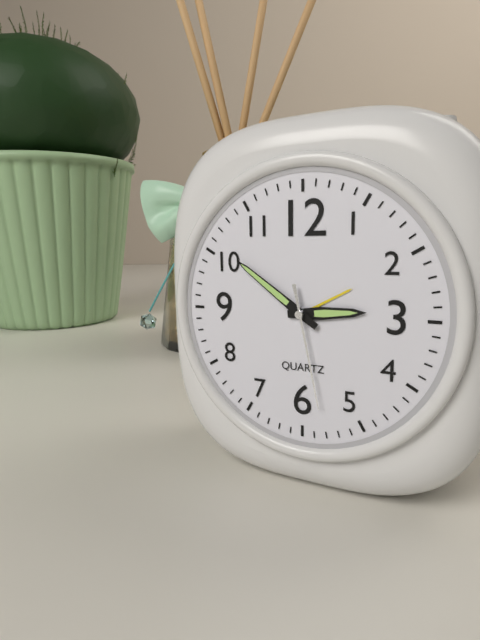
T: 2.51.28
